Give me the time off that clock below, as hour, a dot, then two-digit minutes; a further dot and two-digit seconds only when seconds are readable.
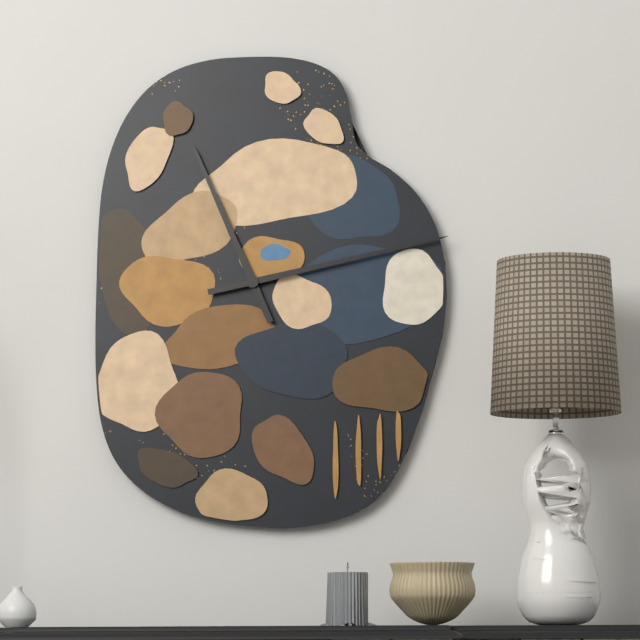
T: 11.13
